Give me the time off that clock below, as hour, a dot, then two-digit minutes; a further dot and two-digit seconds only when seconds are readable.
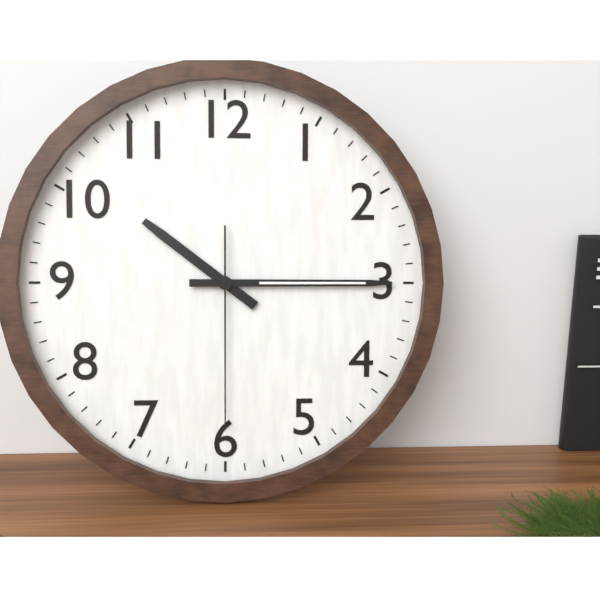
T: 10.15.30
